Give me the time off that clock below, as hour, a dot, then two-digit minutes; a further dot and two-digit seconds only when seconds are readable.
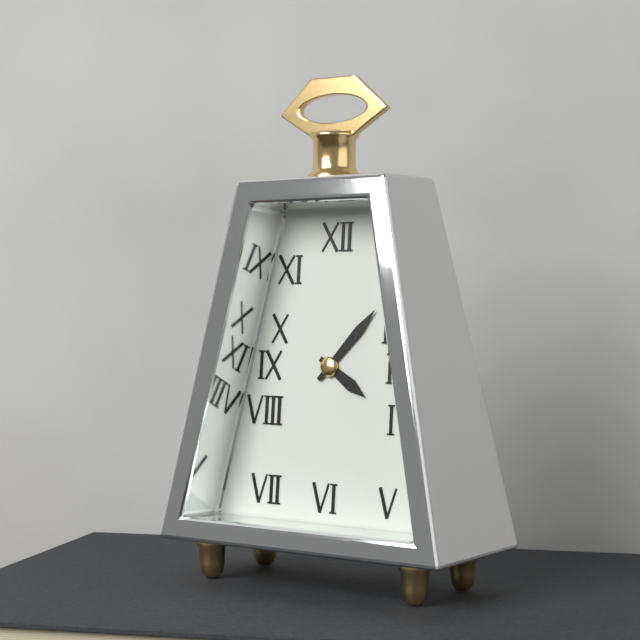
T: 4.07
